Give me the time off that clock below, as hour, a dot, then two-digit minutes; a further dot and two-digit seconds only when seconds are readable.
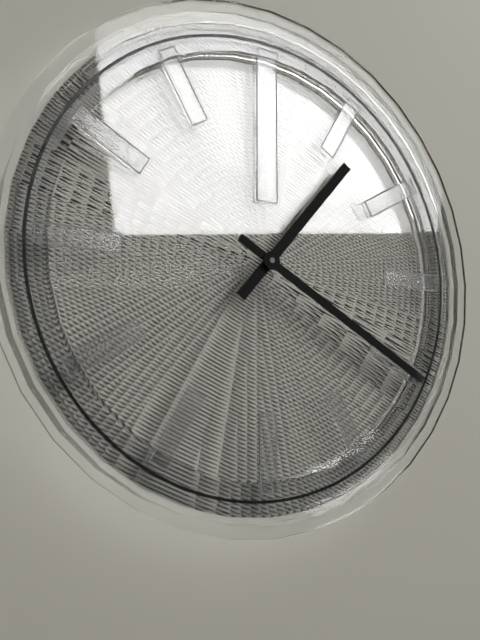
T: 1.20
